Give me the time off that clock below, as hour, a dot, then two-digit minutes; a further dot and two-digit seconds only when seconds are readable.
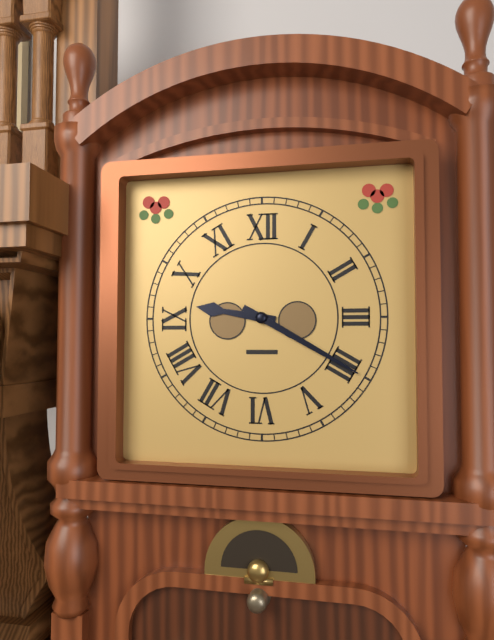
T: 9.20
